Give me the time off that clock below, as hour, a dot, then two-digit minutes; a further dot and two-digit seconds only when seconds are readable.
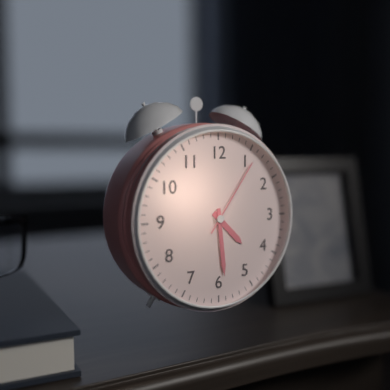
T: 4.29.06
